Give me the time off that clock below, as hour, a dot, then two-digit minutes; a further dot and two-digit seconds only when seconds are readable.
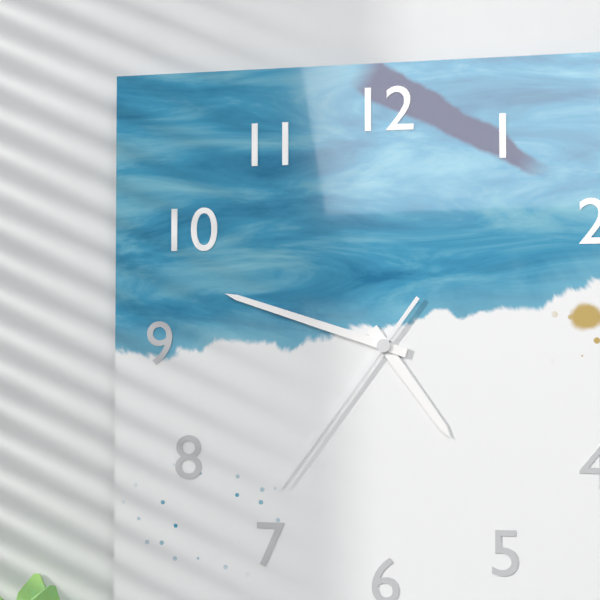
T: 4.48.36
